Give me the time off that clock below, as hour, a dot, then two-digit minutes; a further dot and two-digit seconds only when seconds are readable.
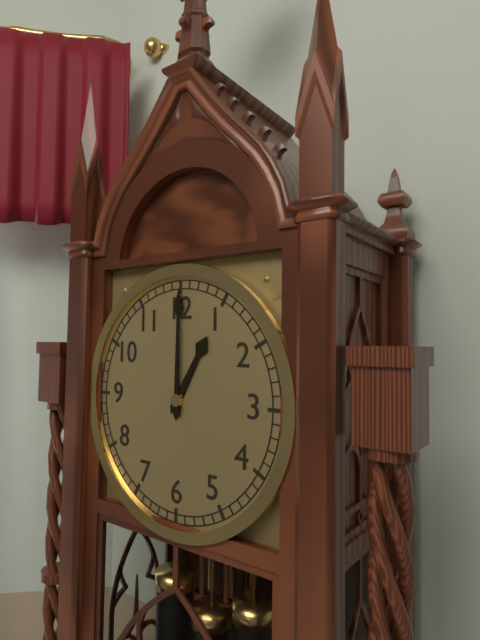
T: 1.00
